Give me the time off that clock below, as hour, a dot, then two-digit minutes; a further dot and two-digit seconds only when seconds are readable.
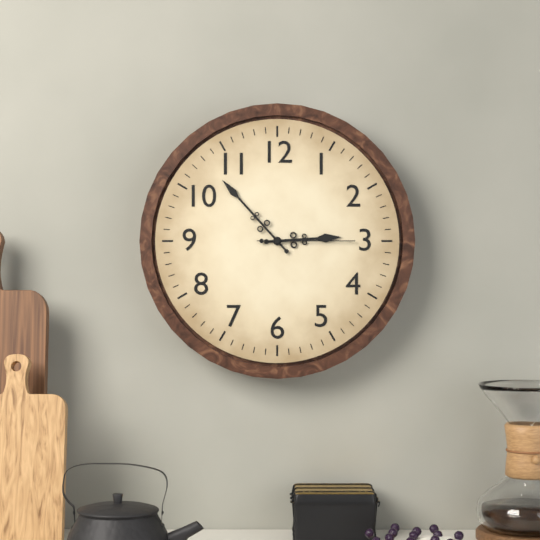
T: 2.53.15
